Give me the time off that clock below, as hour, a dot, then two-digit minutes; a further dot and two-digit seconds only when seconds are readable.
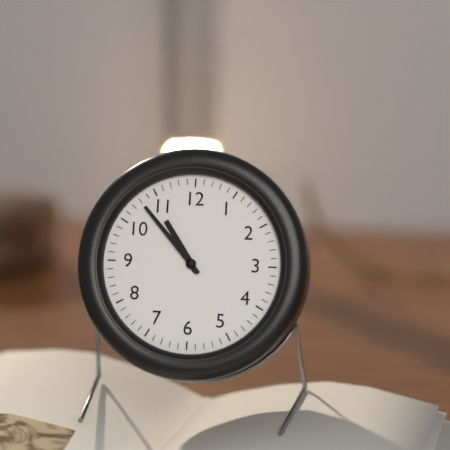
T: 10.53
